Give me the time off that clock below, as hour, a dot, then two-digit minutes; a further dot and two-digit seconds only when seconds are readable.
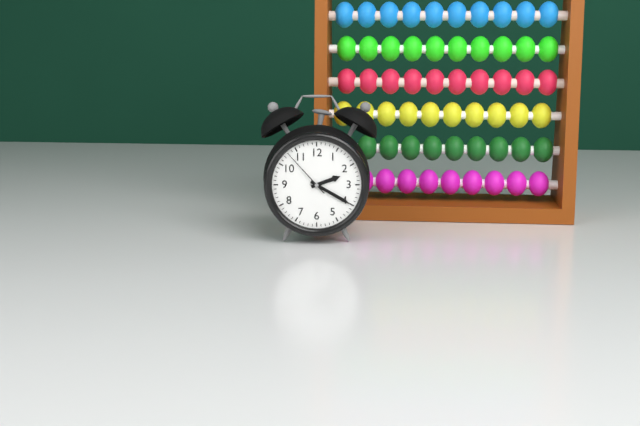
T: 2.20.53
